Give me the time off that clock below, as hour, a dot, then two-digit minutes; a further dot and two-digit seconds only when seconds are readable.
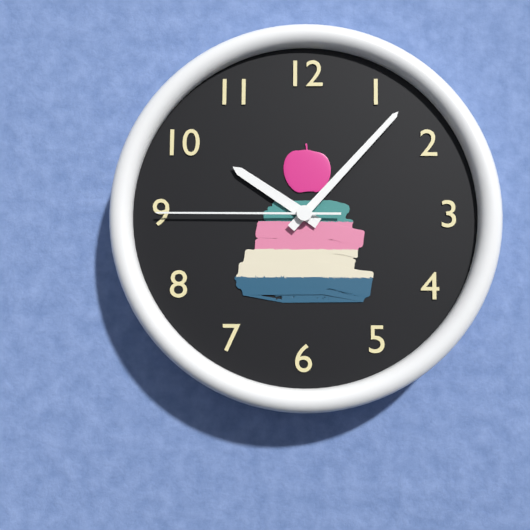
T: 10.07.45
